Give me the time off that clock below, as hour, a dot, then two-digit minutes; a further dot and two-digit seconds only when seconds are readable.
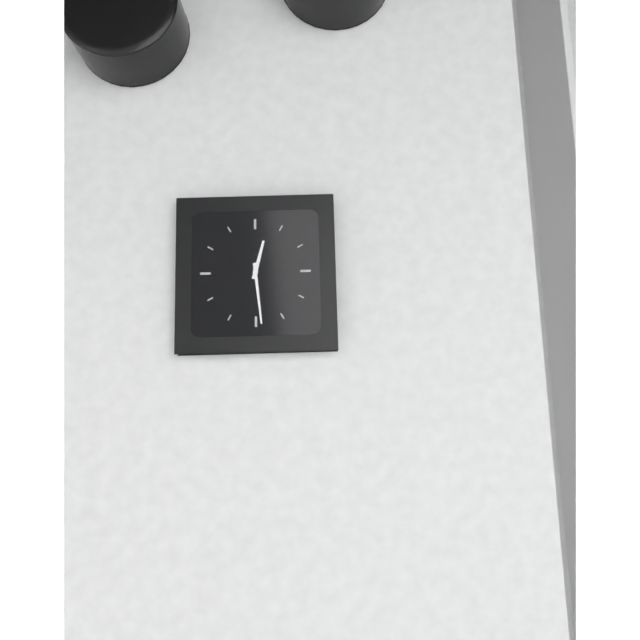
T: 12.29
